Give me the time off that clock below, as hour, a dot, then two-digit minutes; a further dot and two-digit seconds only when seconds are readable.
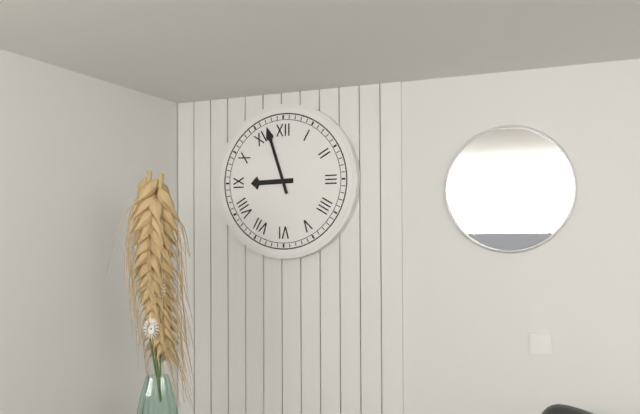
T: 8.57
